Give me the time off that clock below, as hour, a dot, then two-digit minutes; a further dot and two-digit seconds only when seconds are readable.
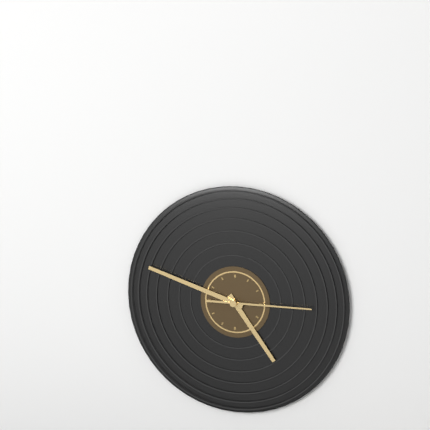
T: 4.48.15
